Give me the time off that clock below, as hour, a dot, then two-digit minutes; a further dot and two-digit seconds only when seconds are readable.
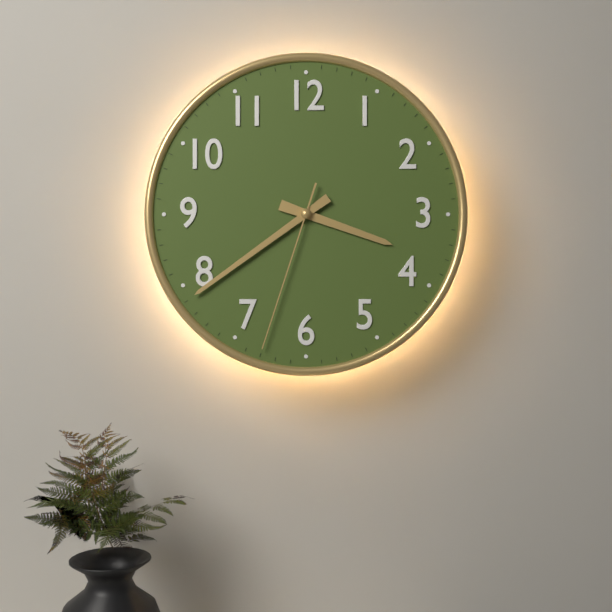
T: 3.39.33
